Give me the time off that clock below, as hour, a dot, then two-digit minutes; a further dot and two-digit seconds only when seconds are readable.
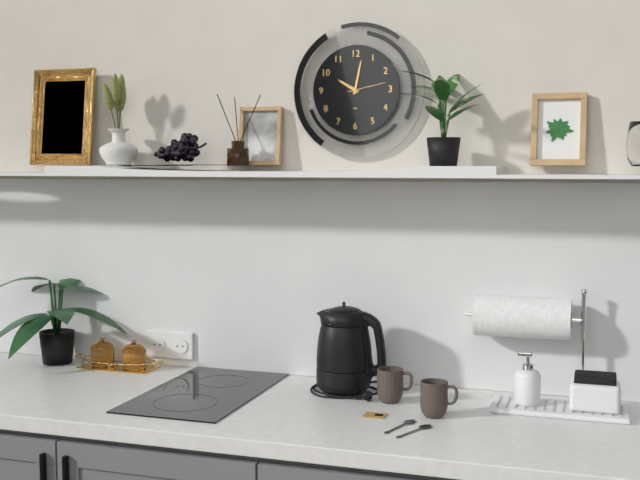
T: 10.02
